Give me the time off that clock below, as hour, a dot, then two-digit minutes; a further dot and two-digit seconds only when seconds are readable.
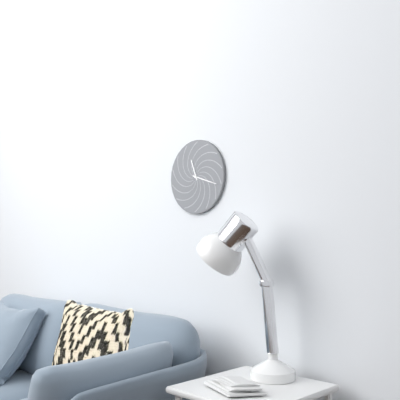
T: 11.18
